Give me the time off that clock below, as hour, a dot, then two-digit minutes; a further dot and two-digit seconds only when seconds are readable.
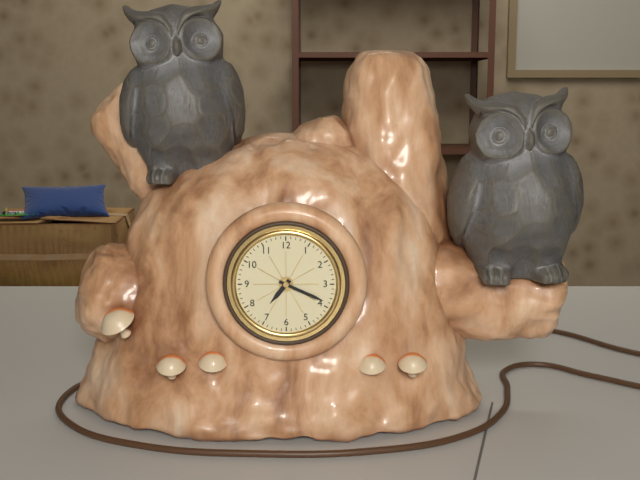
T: 7.19
